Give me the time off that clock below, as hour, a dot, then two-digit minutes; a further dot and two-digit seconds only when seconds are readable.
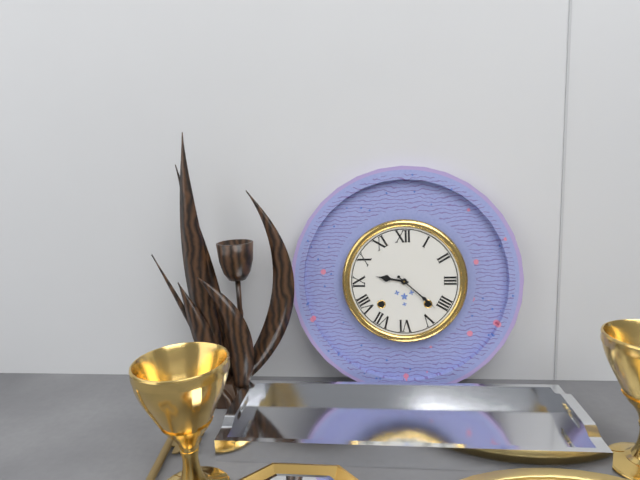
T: 9.22
